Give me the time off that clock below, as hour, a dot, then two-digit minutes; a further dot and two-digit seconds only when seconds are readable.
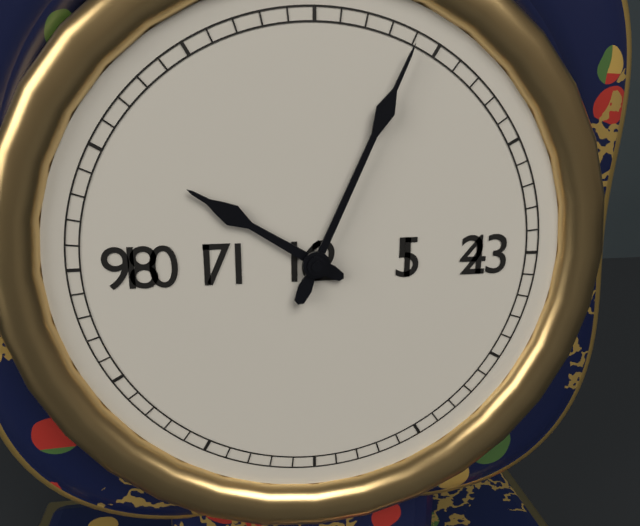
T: 10.04
